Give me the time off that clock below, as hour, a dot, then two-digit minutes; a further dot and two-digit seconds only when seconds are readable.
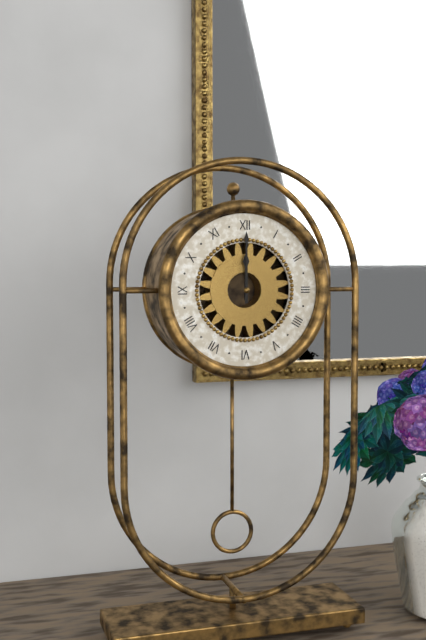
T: 12.00
